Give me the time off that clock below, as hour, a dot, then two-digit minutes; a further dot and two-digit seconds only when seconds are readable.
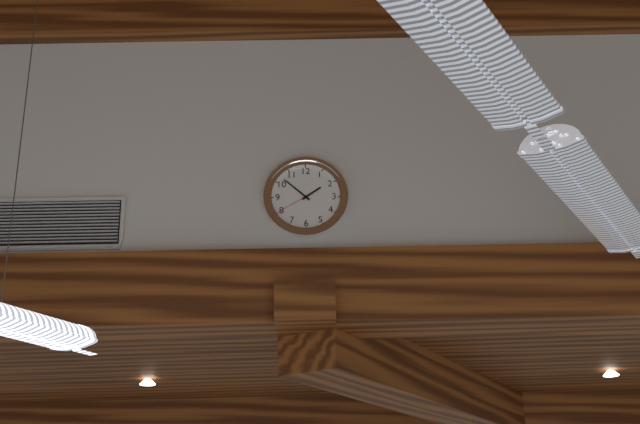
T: 1.52
